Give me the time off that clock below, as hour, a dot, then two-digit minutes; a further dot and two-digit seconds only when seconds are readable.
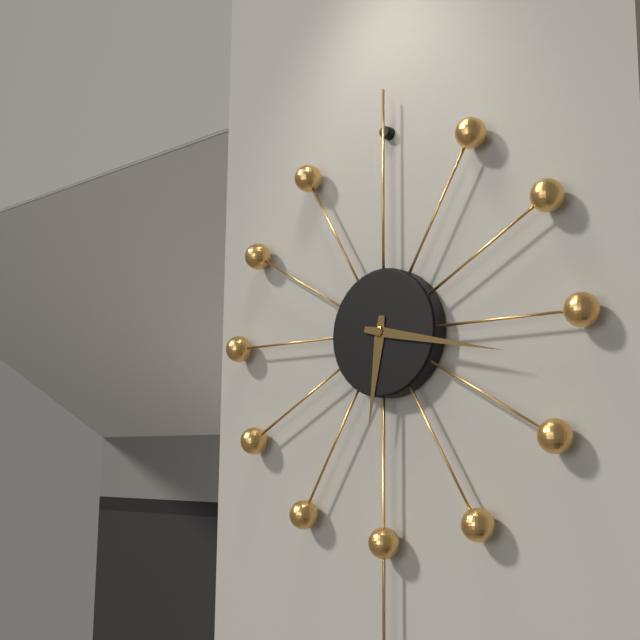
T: 6.17
